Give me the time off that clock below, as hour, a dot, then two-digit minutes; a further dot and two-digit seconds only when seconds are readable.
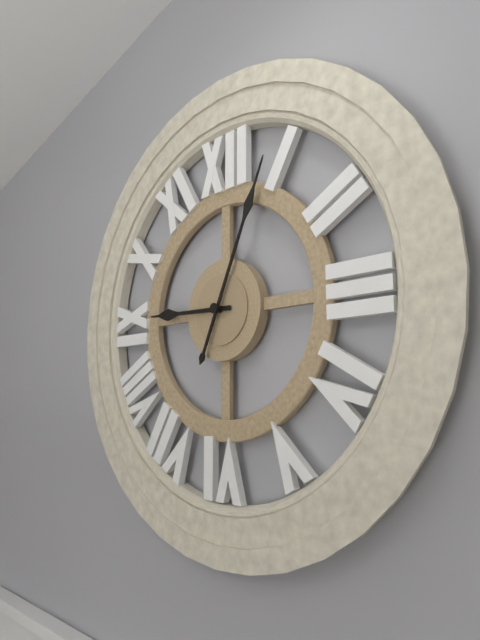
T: 9.04
